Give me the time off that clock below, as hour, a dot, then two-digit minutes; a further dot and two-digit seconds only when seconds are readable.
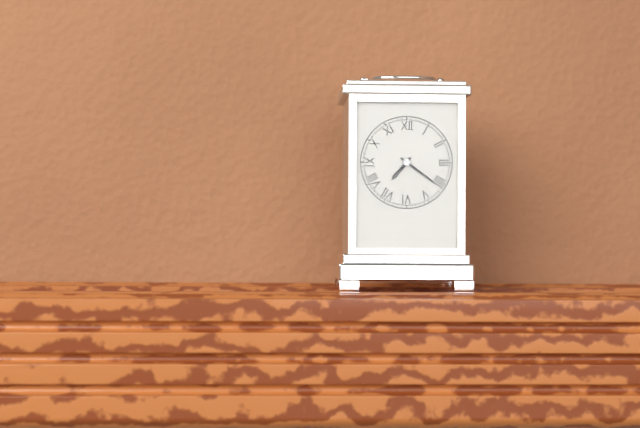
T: 7.21
